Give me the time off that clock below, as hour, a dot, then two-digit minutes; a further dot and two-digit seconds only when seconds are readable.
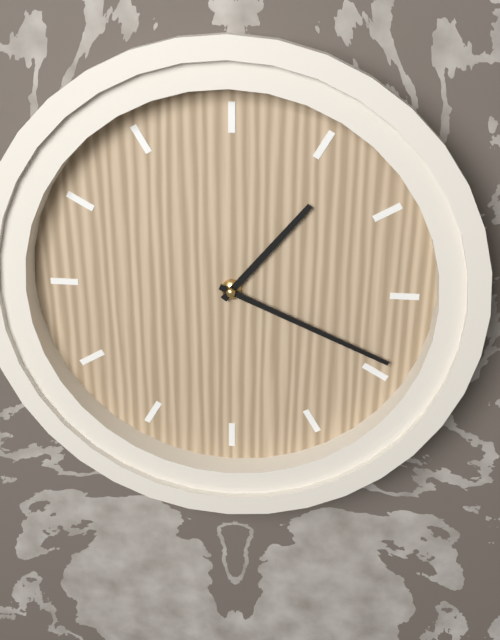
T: 1.19
